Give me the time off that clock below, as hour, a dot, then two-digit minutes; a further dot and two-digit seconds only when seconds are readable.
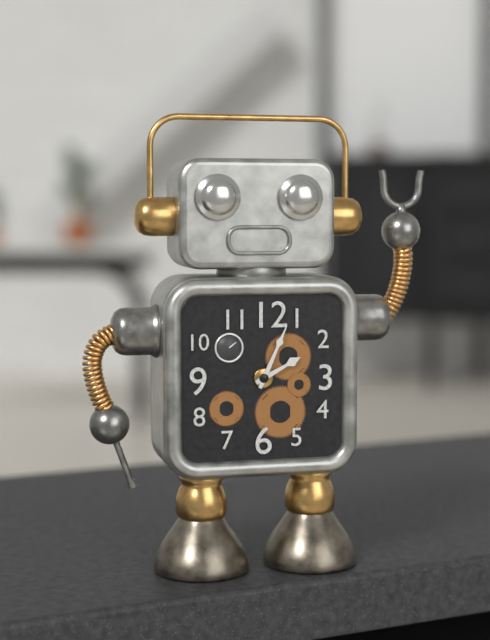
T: 2.04
